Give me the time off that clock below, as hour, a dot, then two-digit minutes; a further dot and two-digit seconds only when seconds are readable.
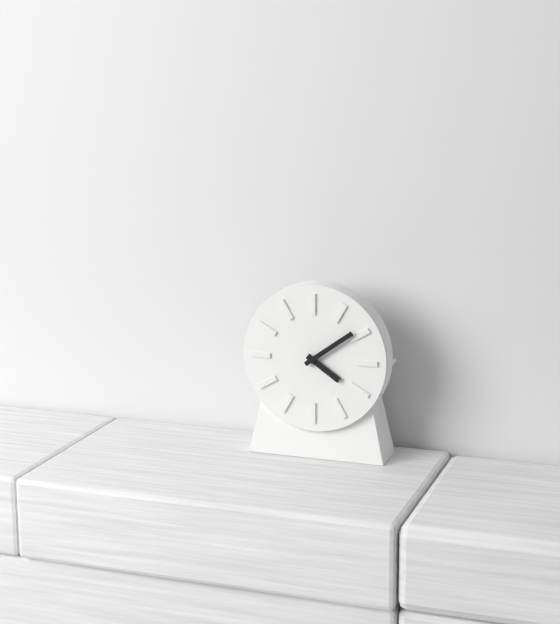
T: 4.09
